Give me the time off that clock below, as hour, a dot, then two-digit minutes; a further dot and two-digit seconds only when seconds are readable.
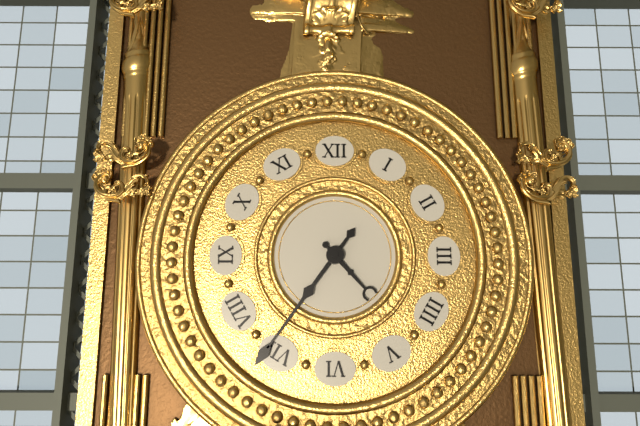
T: 4.36
